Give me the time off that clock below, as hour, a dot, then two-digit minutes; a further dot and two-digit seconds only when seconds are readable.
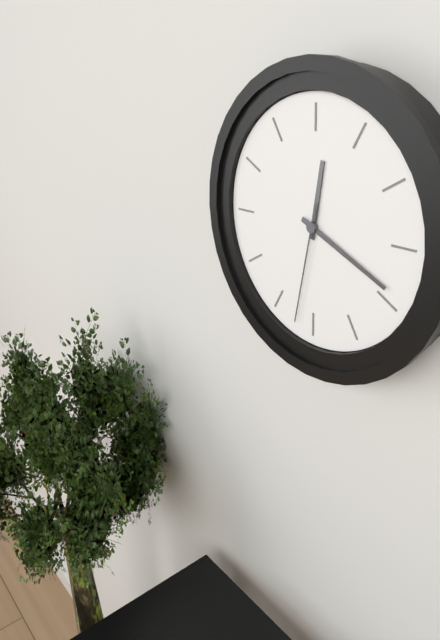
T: 12.19.32
